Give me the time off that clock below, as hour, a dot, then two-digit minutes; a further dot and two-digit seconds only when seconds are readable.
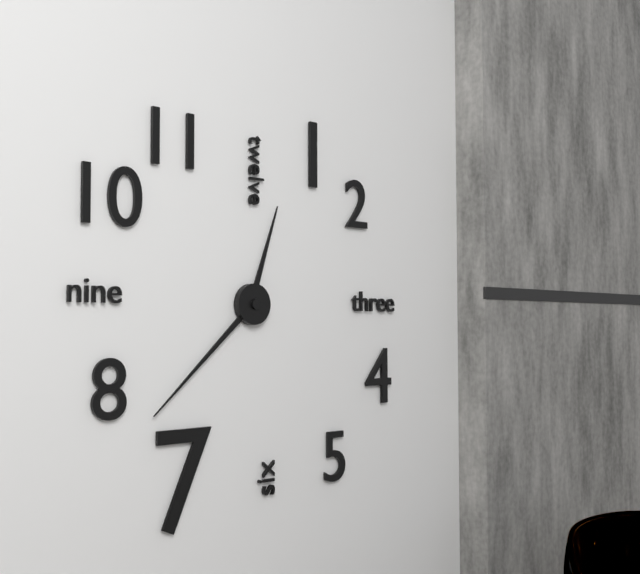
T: 12.38
